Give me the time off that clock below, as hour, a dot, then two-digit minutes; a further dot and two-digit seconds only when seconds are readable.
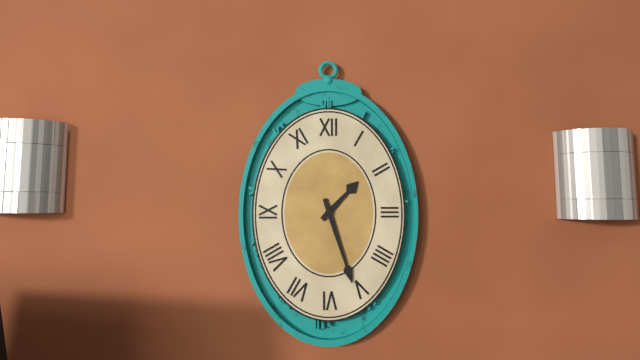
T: 1.27
